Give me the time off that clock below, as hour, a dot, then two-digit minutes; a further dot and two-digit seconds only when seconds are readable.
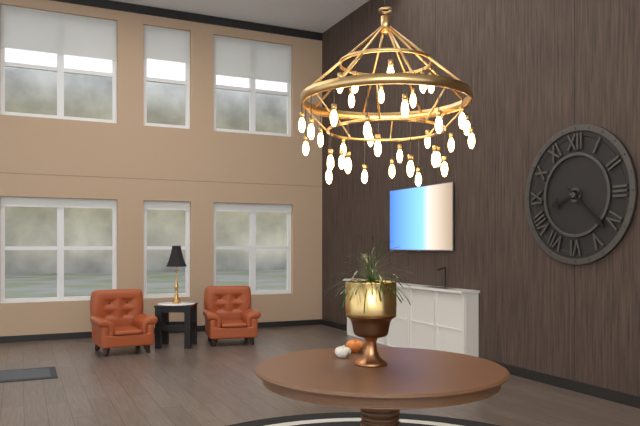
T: 8.22
